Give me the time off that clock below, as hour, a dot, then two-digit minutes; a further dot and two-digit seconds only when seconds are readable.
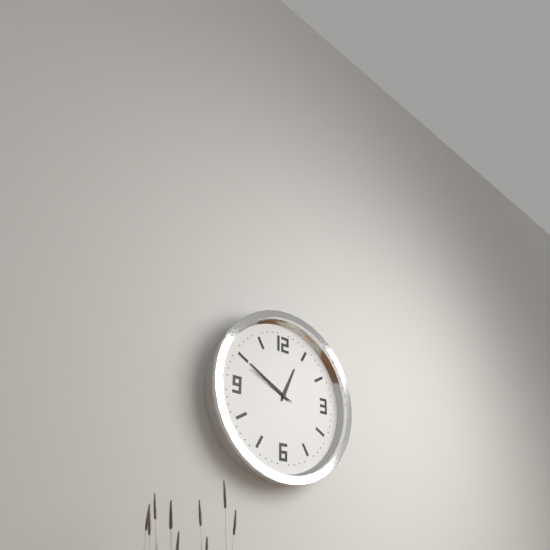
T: 12.50.49
